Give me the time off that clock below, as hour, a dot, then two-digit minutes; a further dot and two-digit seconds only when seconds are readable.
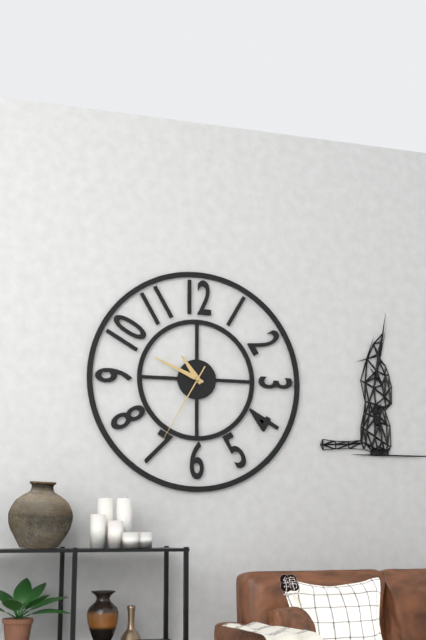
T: 10.49.35
